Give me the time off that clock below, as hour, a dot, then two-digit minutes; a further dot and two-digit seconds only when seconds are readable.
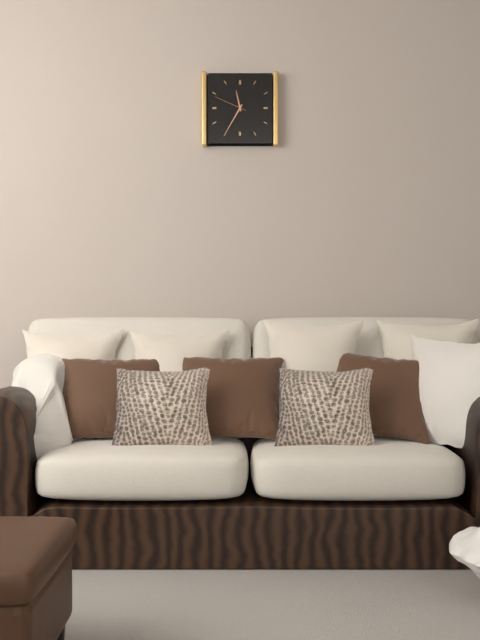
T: 11.35
